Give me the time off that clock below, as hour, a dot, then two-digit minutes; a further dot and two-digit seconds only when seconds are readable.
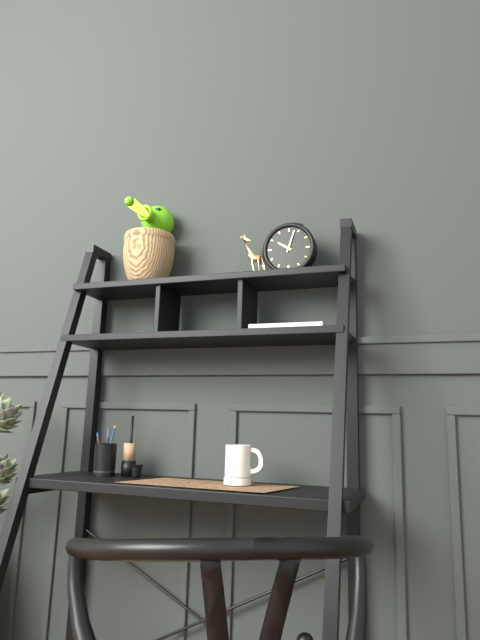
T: 10.03
